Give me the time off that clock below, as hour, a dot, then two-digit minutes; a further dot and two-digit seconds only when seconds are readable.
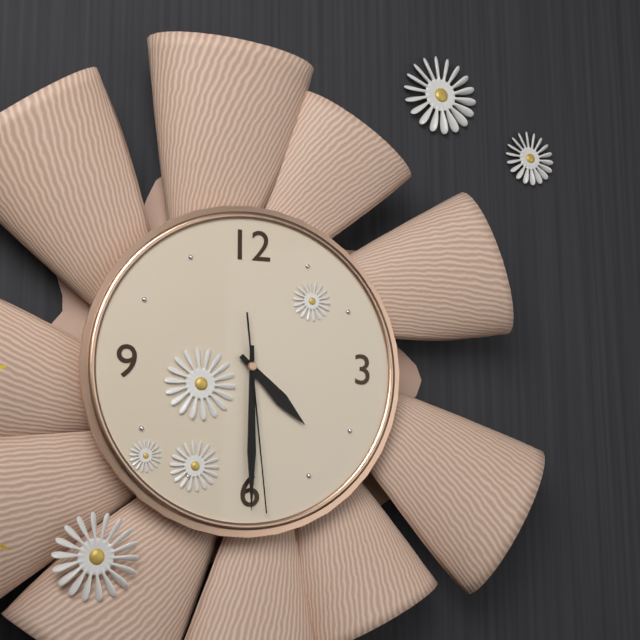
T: 4.30.29
